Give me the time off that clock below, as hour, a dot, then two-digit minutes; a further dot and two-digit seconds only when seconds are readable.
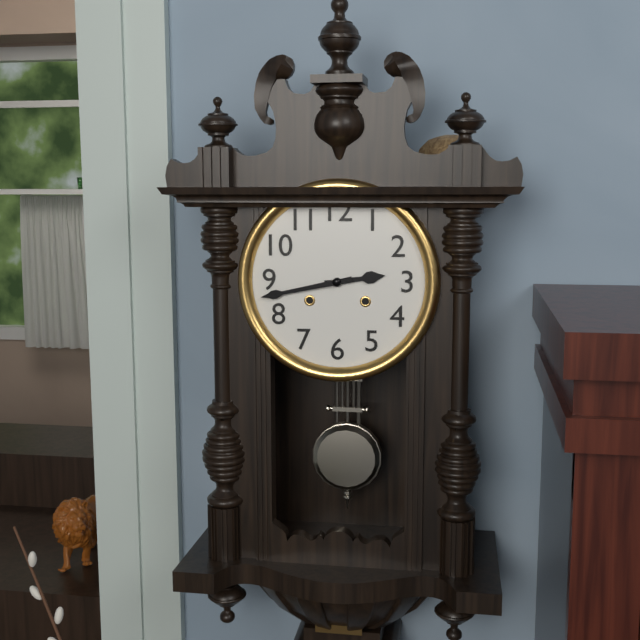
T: 2.43
